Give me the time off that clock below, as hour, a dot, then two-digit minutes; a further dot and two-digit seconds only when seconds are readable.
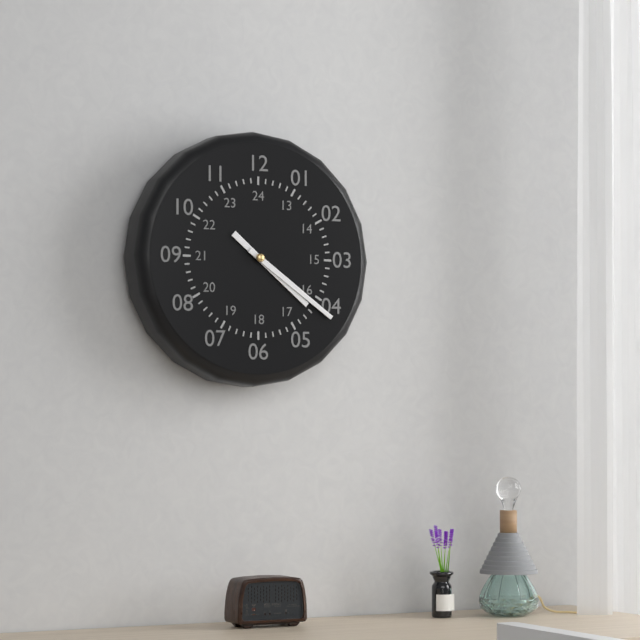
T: 4.21
